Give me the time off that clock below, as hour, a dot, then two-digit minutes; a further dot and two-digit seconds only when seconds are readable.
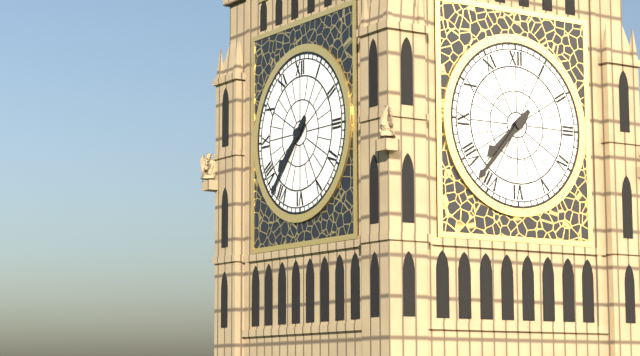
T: 7.37
